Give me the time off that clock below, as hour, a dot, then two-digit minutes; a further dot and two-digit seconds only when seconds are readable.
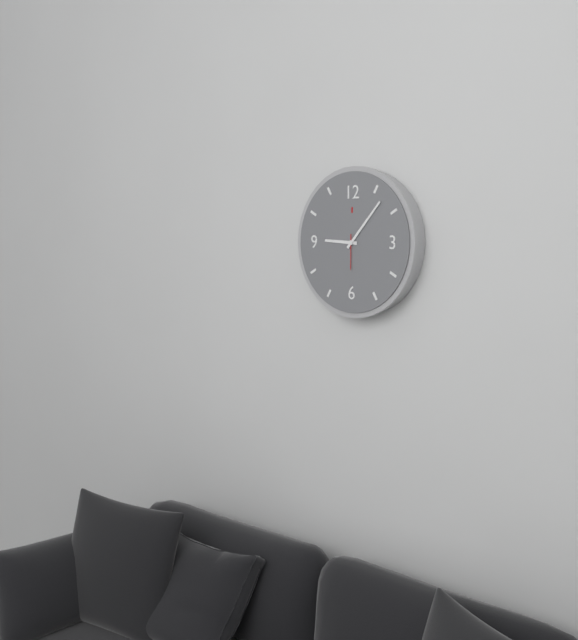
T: 9.07
